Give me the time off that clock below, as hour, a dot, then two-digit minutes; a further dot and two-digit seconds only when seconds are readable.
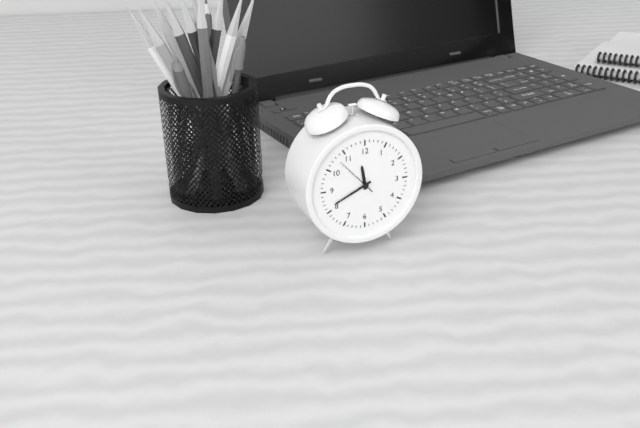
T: 11.41
